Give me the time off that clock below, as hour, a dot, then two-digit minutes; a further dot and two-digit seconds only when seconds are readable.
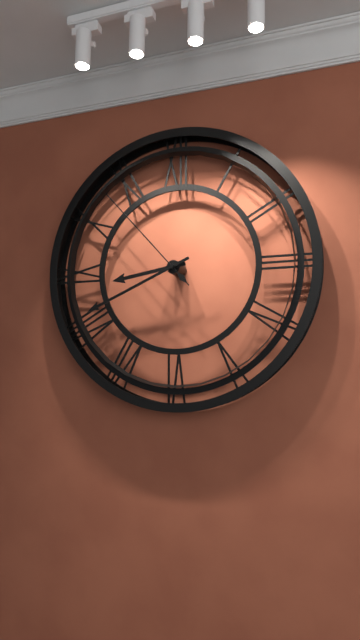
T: 8.41.53
